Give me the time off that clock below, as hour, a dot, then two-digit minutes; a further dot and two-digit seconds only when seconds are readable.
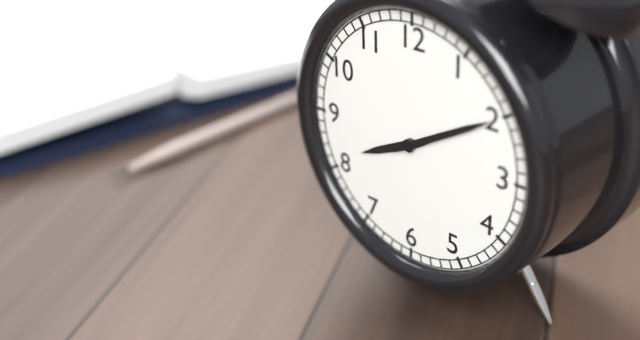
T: 8.10
